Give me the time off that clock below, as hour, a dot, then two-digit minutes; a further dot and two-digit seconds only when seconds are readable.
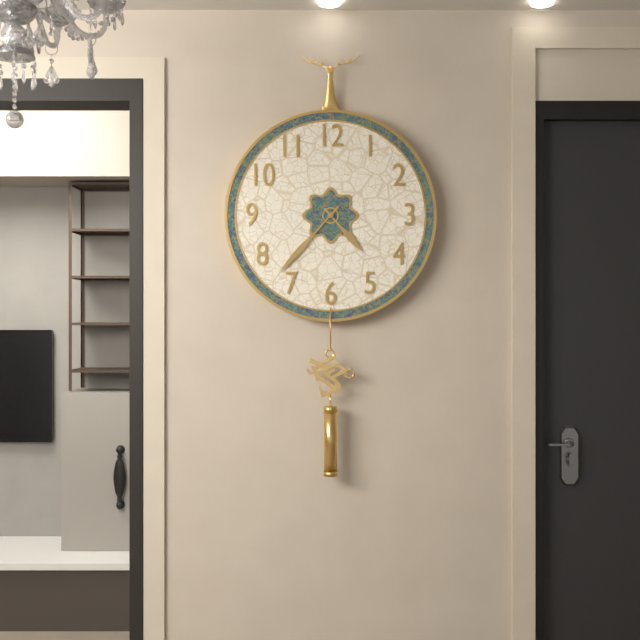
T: 4.37
